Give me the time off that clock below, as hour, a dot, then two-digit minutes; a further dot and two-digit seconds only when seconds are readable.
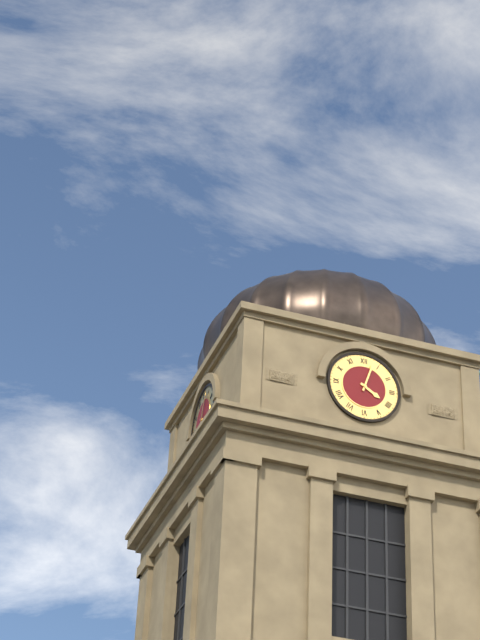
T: 4.03
